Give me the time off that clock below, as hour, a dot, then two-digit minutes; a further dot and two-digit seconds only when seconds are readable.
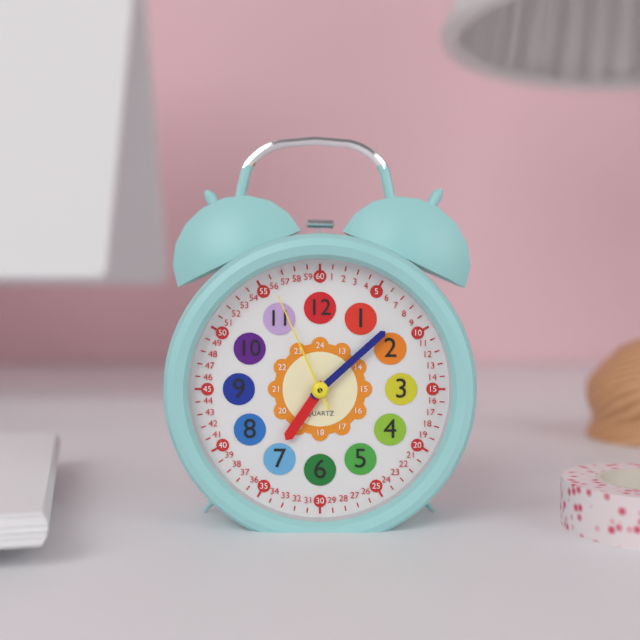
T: 7.08.56
